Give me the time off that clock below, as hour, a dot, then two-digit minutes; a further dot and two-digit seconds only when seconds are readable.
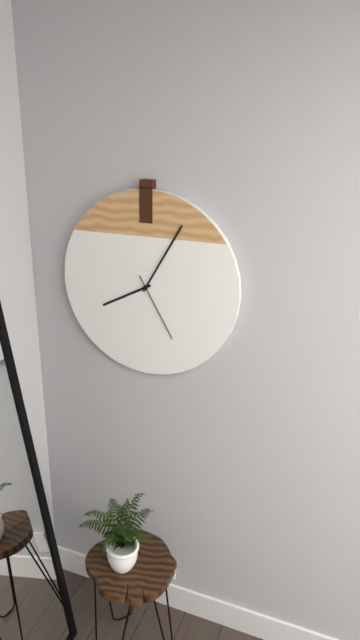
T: 8.05.25
